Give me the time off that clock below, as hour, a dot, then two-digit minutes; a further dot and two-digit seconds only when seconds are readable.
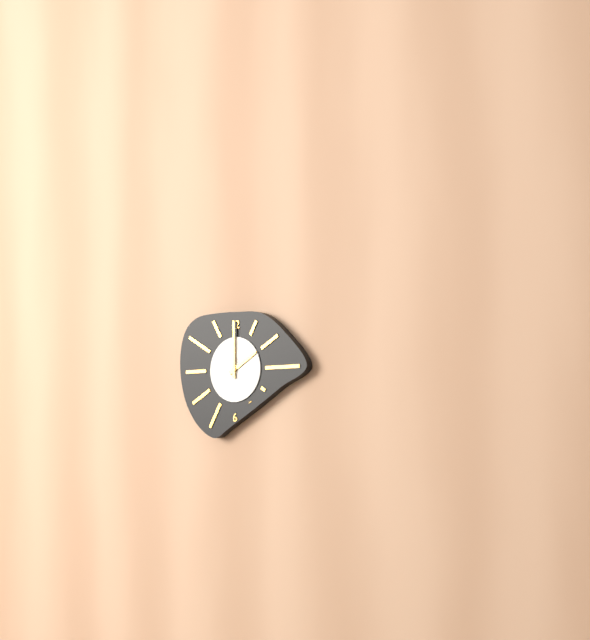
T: 2.00
